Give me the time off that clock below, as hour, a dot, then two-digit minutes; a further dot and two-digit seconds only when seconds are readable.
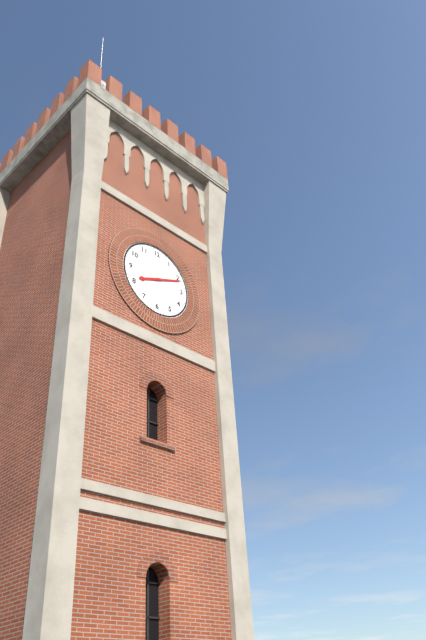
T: 8.11
